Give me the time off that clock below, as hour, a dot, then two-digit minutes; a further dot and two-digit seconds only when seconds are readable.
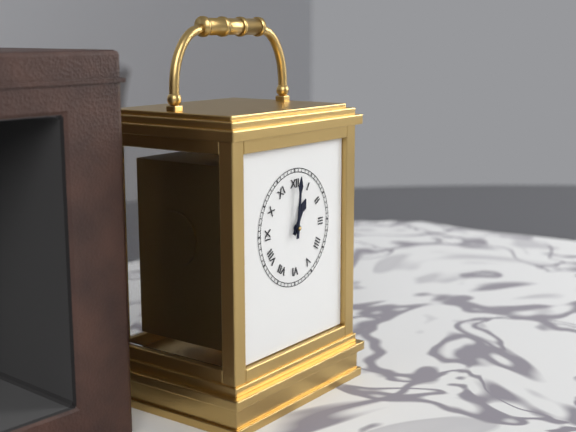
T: 1.01
